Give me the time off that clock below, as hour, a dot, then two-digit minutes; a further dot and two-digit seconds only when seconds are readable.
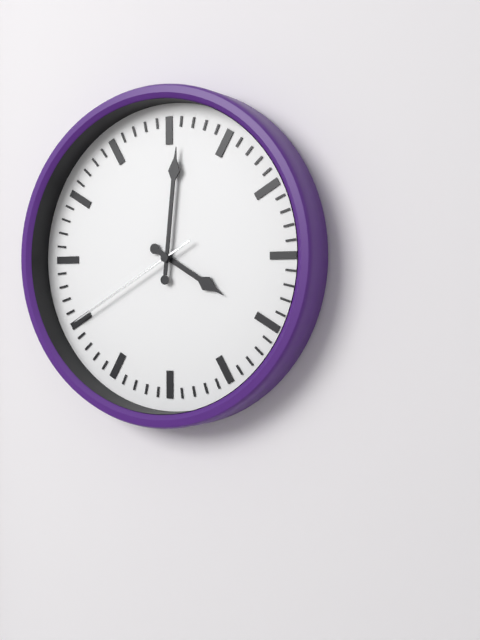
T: 4.01.40
